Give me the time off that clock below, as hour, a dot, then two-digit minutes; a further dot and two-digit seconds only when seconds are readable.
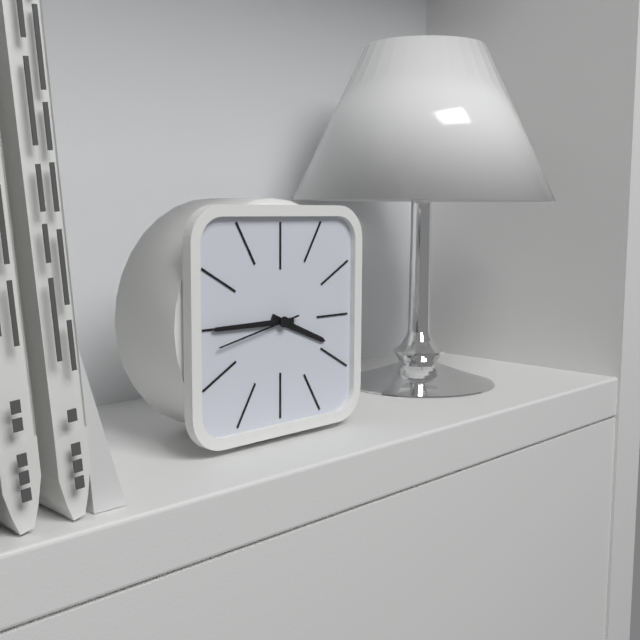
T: 3.45.43
